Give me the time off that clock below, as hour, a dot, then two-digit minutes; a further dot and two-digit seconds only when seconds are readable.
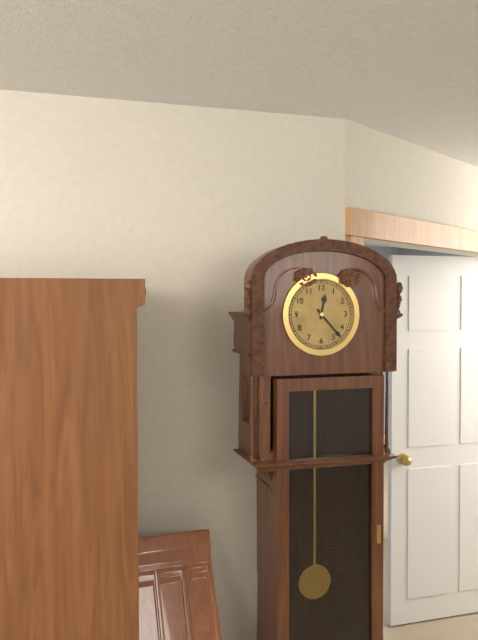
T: 12.23
